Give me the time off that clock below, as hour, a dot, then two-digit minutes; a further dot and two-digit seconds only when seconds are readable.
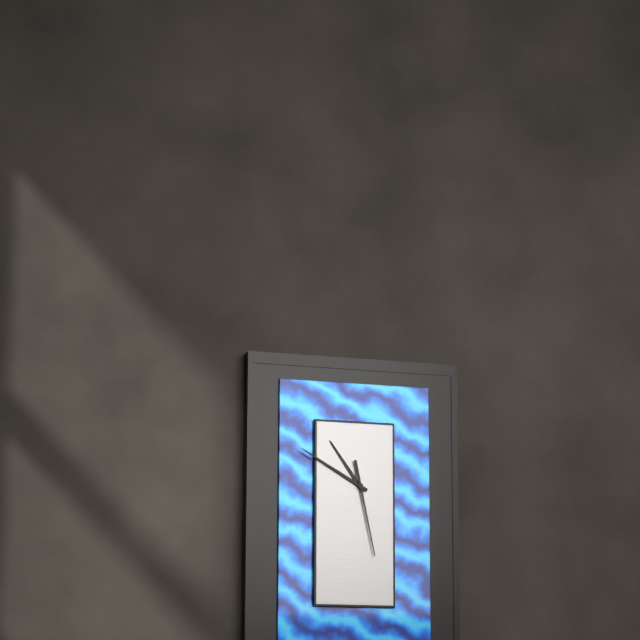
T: 10.50.28
